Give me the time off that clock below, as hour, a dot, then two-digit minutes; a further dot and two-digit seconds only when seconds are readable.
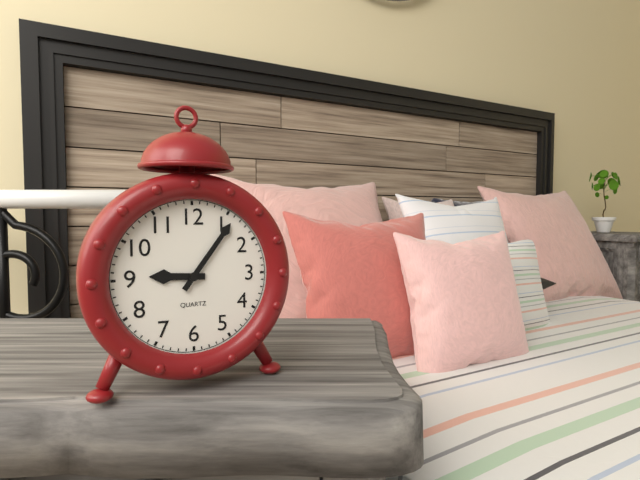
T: 9.06
